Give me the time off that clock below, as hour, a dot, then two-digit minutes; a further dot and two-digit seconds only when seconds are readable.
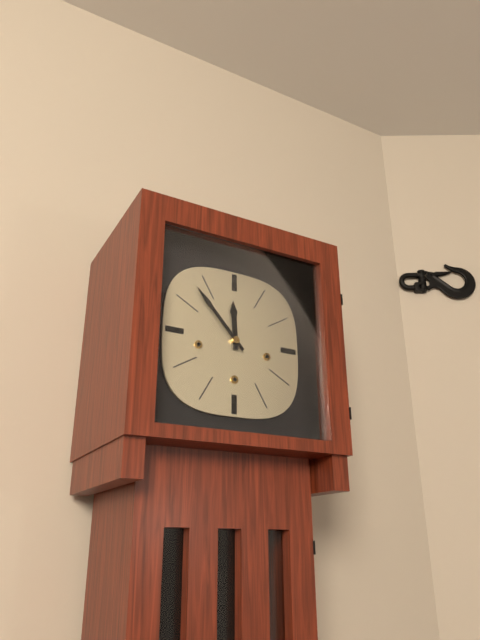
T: 11.53
